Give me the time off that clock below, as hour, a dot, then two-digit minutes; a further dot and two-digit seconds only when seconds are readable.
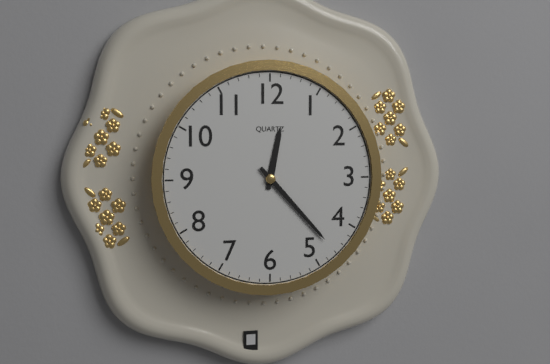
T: 12.23
